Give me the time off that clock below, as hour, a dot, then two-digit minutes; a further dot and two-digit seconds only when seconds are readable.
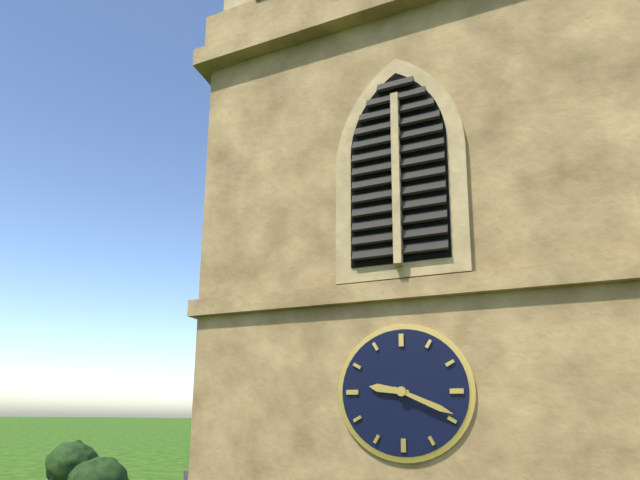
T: 9.19
